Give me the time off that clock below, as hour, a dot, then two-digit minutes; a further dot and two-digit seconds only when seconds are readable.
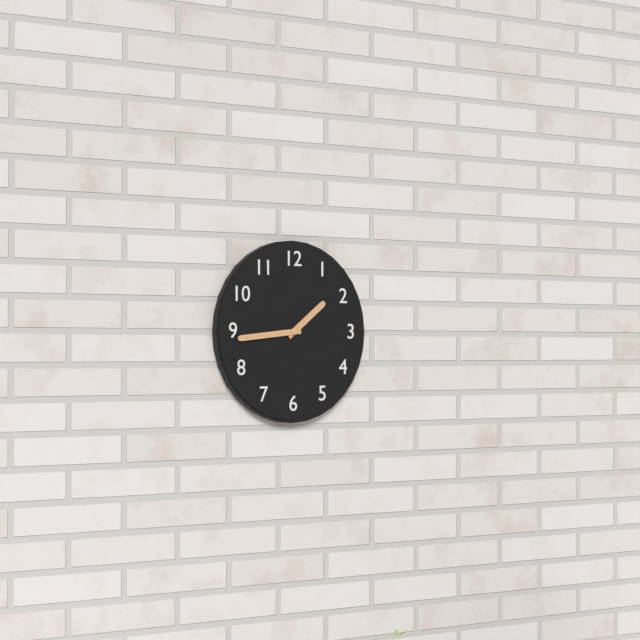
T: 1.44
